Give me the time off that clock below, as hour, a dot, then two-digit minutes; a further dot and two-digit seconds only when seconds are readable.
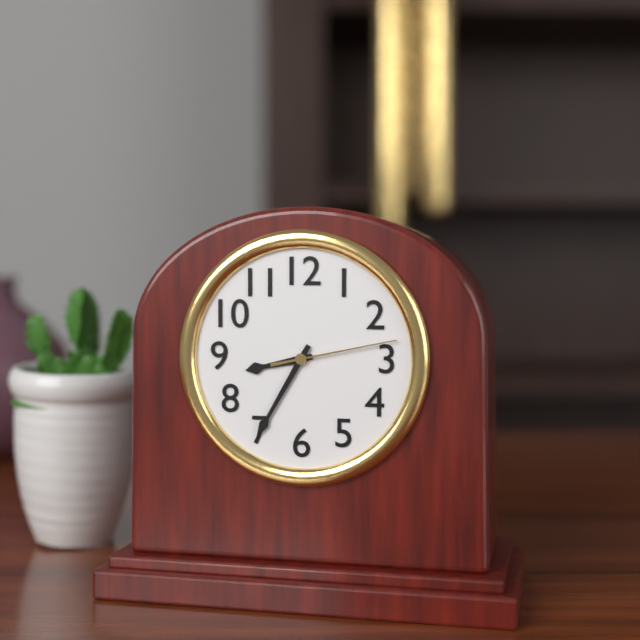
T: 8.35.13
